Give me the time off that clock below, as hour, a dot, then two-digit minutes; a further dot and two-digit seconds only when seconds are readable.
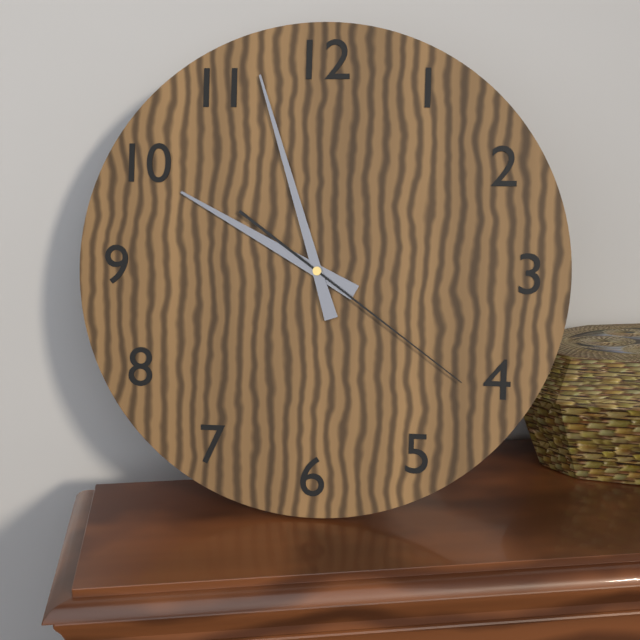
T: 9.57.21
